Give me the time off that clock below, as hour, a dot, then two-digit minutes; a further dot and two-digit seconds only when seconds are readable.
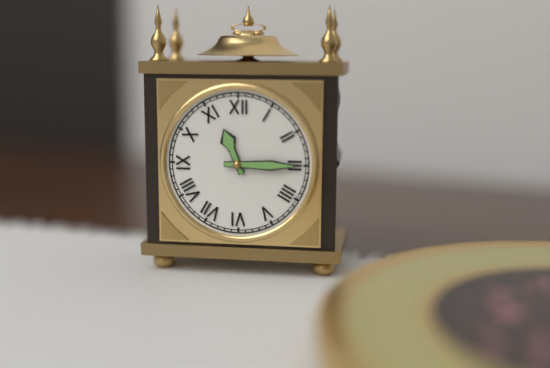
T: 11.15
